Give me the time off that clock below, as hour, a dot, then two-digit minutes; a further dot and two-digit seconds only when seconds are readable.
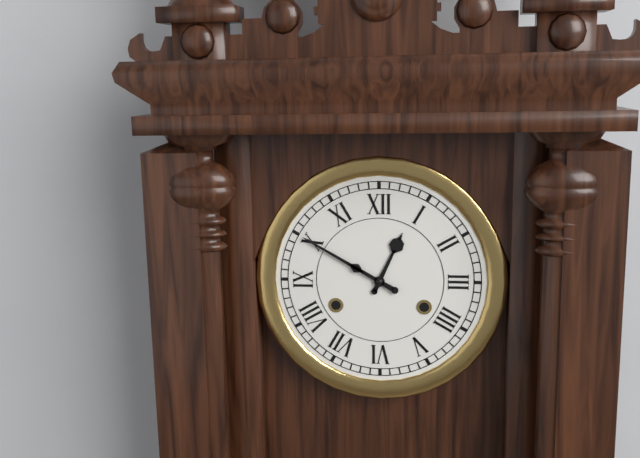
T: 12.50
